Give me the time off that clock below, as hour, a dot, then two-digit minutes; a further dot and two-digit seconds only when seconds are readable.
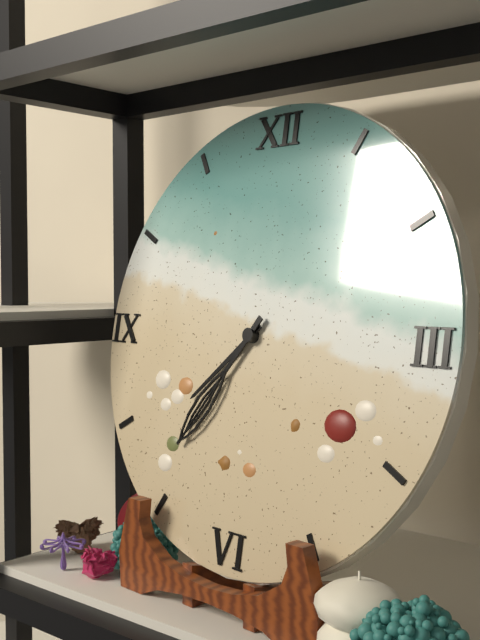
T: 7.36
